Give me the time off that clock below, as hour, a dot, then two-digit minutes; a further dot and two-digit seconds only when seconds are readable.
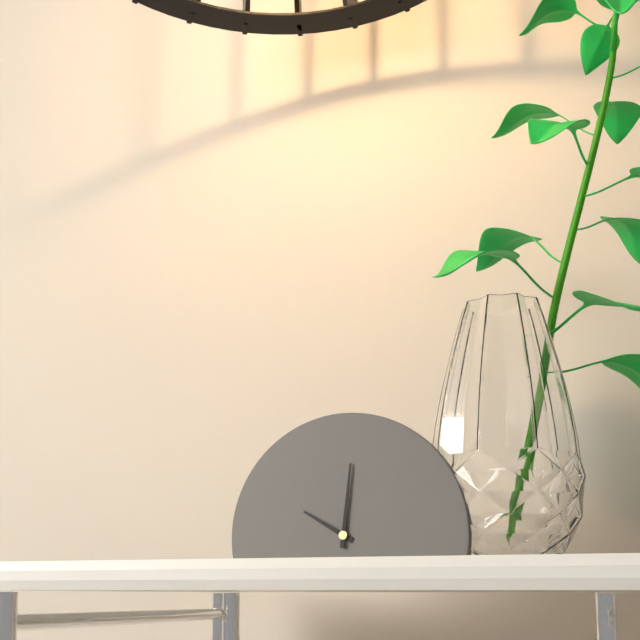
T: 10.01
